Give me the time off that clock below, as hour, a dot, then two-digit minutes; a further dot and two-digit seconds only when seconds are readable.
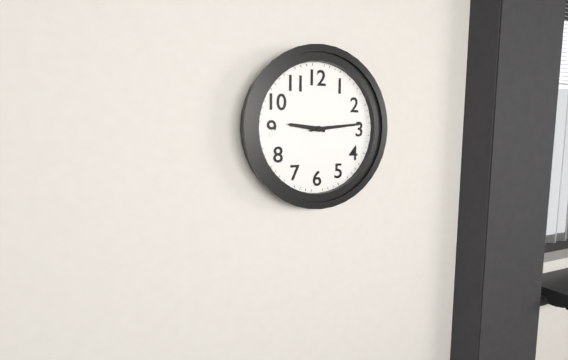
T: 9.14
